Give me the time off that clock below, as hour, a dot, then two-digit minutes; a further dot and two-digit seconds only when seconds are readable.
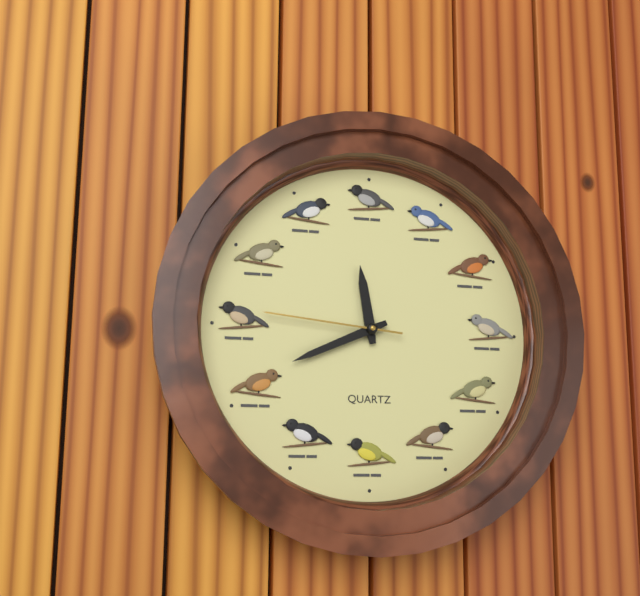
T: 11.41.46
